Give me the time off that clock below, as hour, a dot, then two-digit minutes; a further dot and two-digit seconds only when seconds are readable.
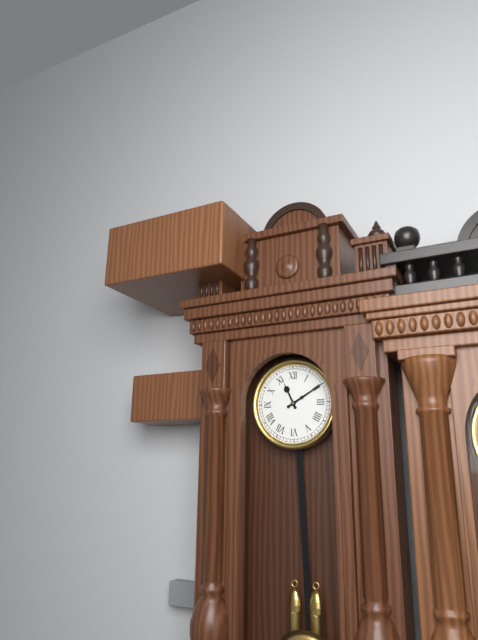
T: 11.10
